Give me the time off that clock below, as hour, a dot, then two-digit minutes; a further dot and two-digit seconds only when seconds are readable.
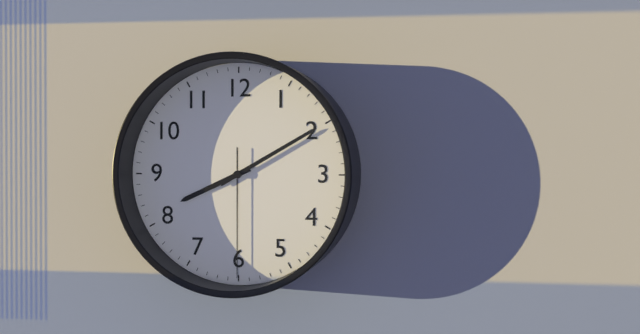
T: 8.10.30
